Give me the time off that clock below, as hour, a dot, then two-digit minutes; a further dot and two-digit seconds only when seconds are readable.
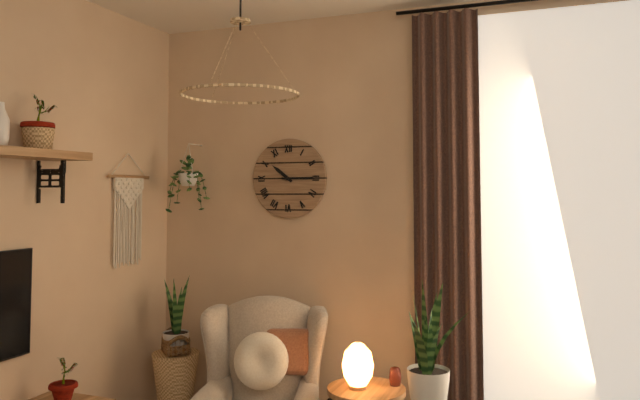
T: 10.15
